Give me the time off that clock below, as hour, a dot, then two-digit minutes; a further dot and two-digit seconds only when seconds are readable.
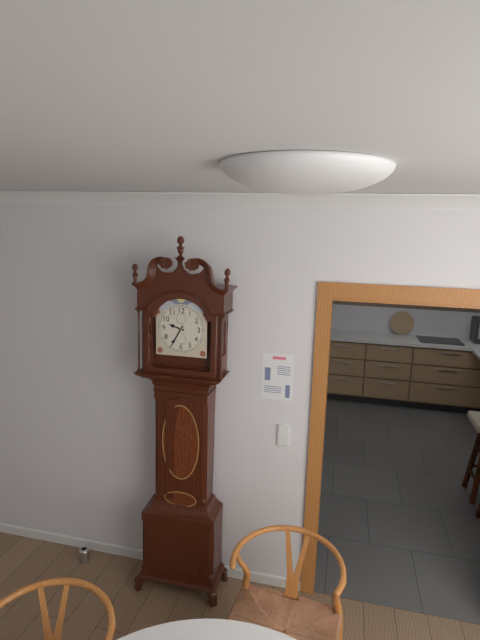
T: 9.35
